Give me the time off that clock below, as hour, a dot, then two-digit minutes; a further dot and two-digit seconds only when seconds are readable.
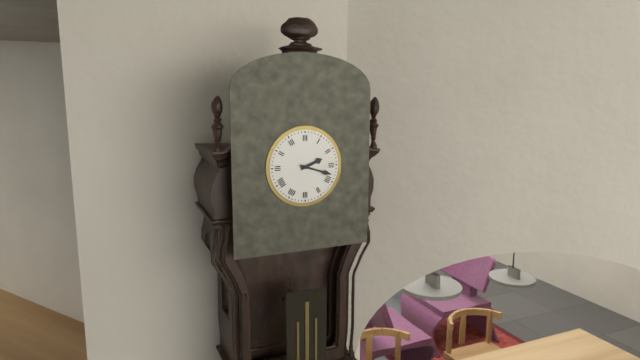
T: 2.18
